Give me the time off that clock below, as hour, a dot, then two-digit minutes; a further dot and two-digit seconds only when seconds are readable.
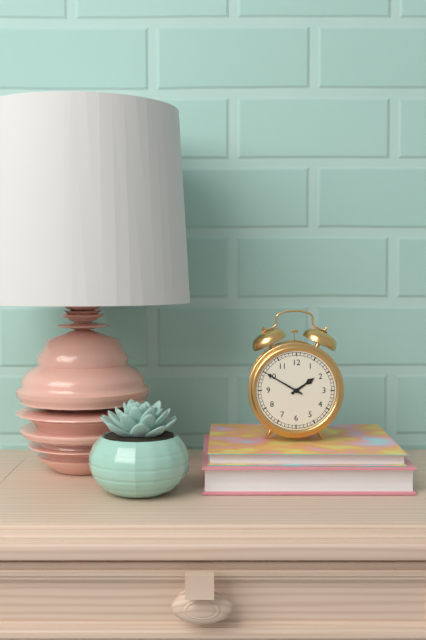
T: 1.50
